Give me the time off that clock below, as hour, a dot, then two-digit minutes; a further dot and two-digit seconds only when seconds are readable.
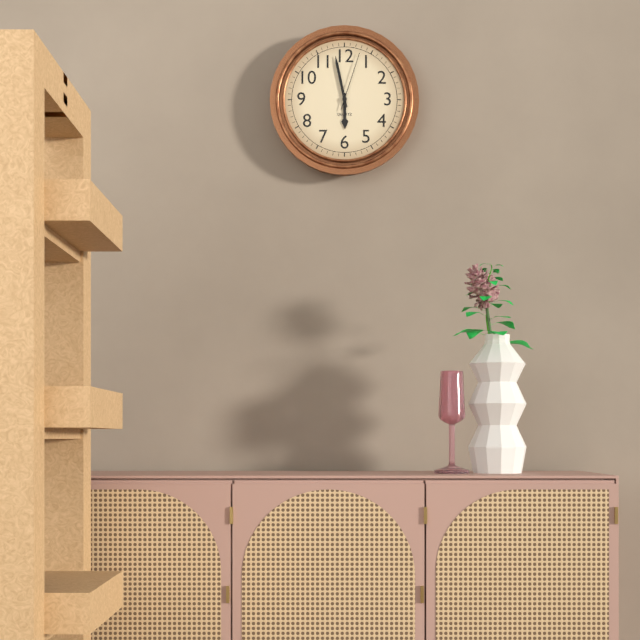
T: 5.58.03
